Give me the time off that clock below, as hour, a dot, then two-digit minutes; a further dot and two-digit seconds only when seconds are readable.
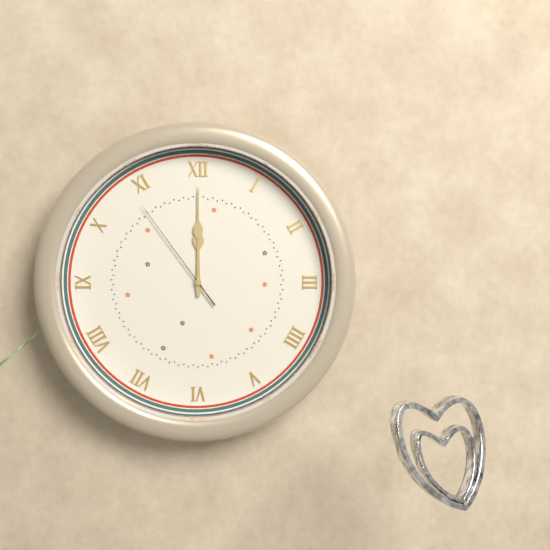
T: 12.00.54
